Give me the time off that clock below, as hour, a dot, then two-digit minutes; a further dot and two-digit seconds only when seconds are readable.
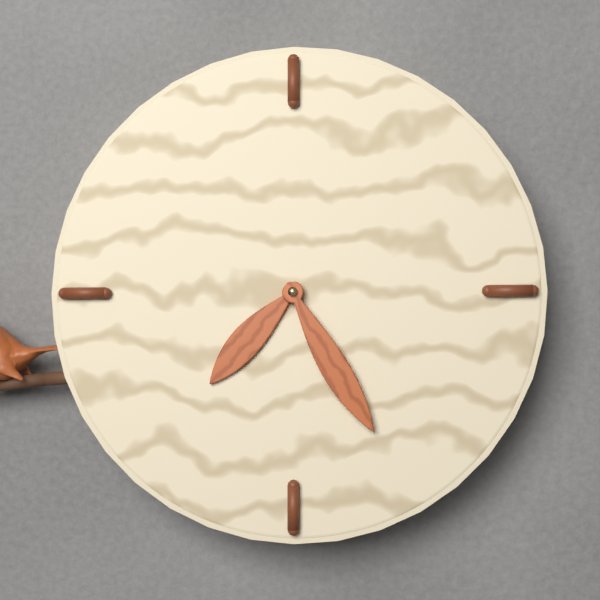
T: 7.25
